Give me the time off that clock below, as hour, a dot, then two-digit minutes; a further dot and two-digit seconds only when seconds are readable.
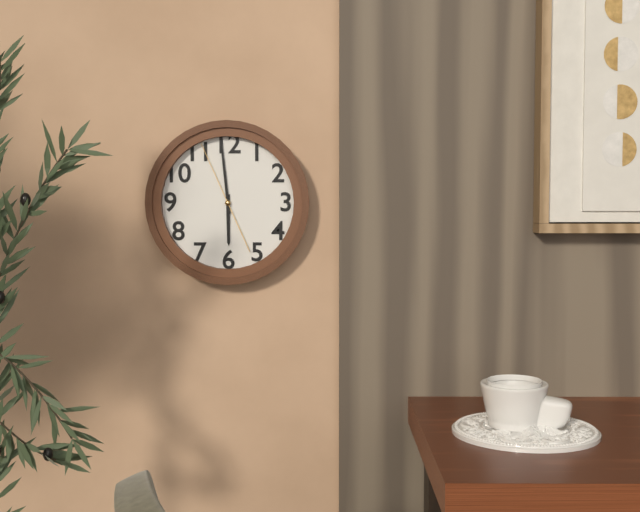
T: 5.59.56
